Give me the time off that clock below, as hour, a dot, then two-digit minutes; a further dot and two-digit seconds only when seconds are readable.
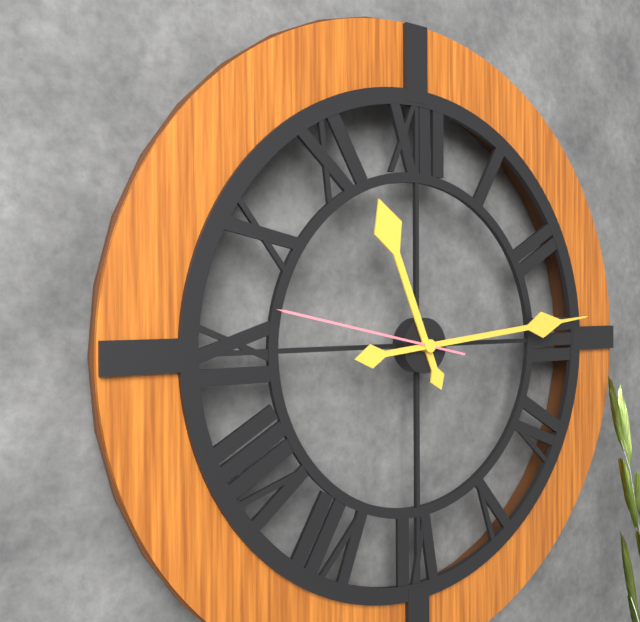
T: 11.14.47
